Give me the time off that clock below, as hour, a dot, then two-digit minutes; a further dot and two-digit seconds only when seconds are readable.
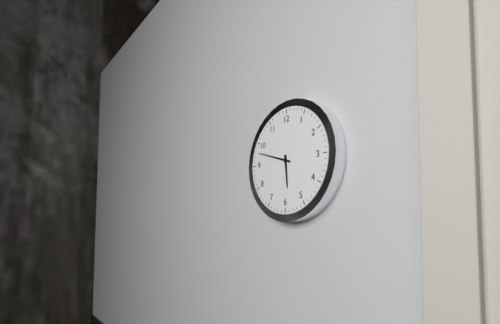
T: 5.48
